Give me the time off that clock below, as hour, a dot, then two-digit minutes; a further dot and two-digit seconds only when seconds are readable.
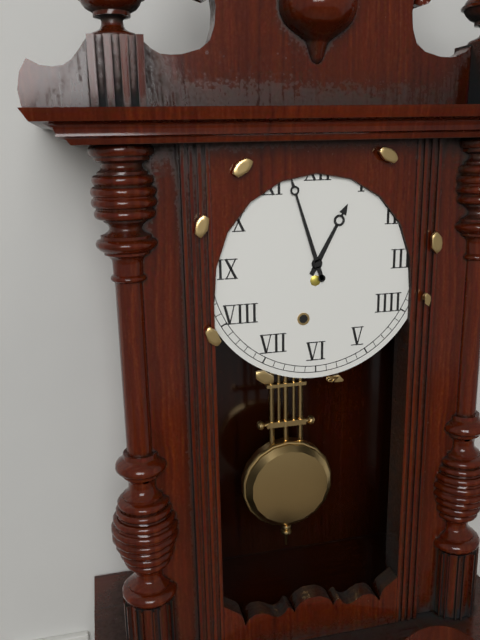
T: 12.57
